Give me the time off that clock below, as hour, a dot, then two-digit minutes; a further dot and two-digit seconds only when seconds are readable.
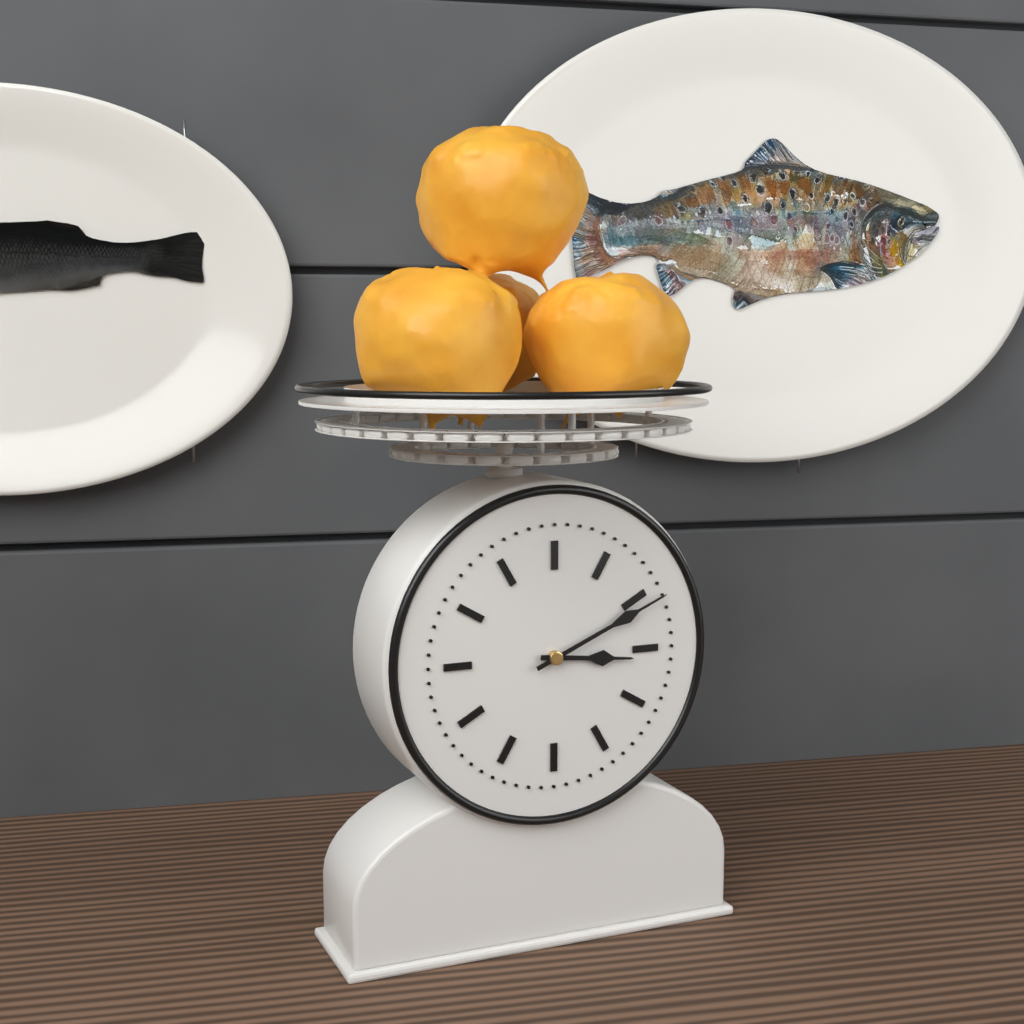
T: 3.11
